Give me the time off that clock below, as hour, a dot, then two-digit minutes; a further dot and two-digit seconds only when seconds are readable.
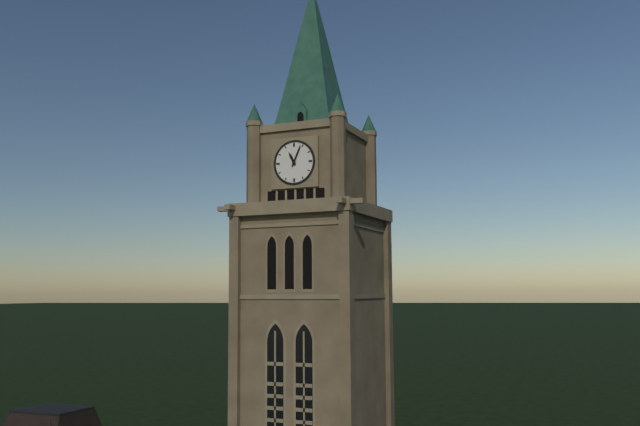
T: 11.04
